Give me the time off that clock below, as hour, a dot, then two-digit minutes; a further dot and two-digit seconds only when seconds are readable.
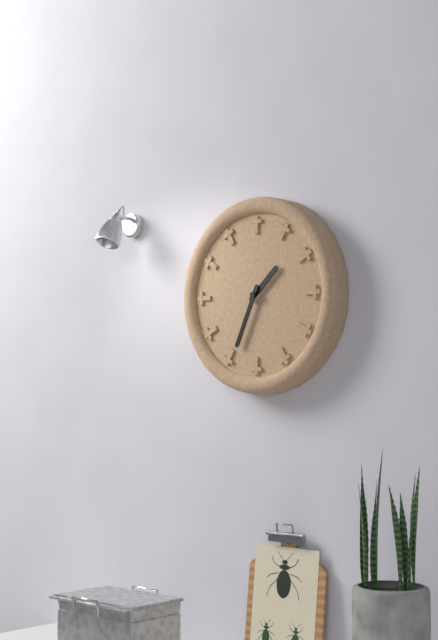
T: 1.34
